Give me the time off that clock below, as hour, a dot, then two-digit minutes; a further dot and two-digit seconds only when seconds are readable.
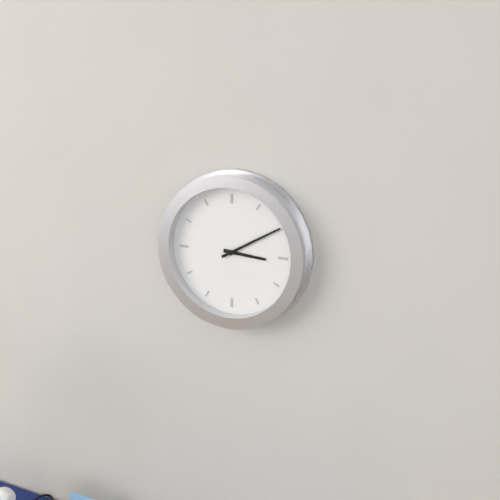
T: 3.10
